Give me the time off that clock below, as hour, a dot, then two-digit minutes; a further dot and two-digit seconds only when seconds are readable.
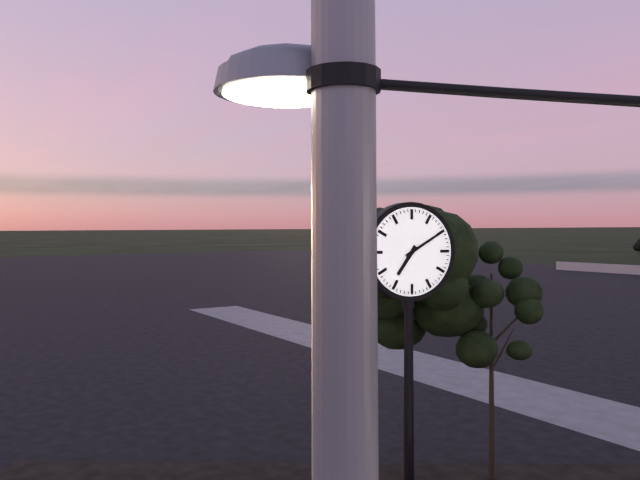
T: 7.10
